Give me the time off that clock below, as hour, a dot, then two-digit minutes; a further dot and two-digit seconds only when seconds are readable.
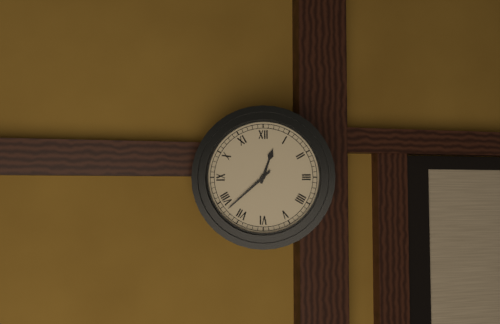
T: 12.38
